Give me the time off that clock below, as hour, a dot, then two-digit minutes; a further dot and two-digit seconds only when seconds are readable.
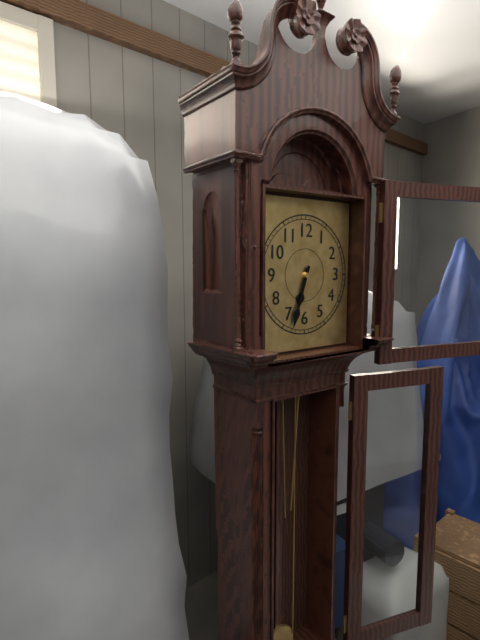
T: 6.33
